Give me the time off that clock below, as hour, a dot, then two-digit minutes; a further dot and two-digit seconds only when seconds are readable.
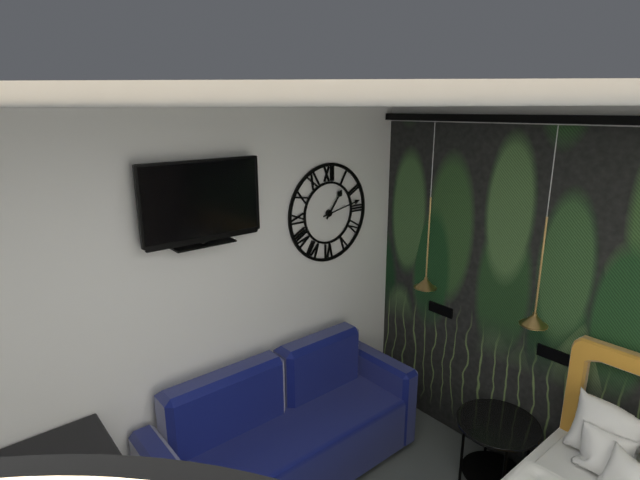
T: 1.13
